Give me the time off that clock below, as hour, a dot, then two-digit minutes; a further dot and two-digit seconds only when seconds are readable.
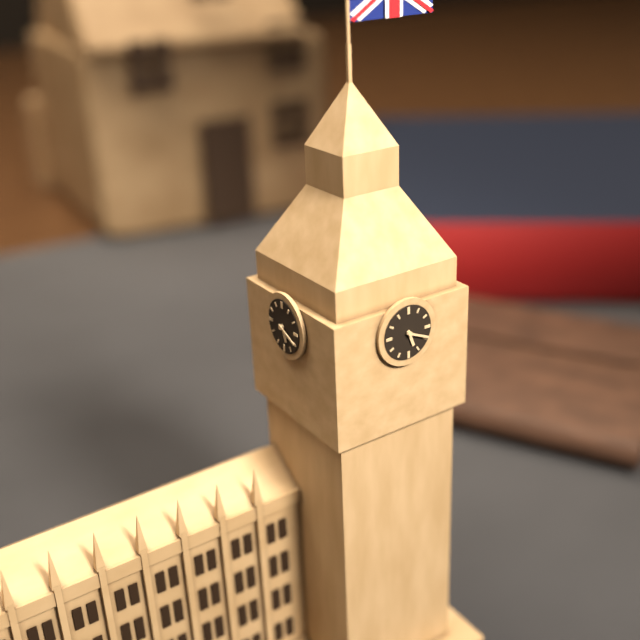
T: 5.19
